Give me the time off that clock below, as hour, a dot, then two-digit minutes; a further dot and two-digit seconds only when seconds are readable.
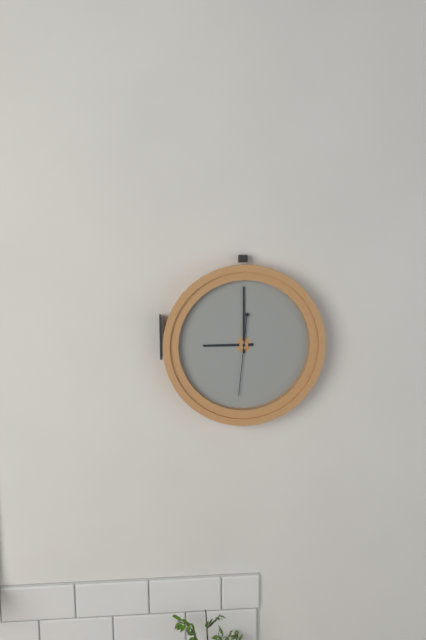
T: 9.00.31
